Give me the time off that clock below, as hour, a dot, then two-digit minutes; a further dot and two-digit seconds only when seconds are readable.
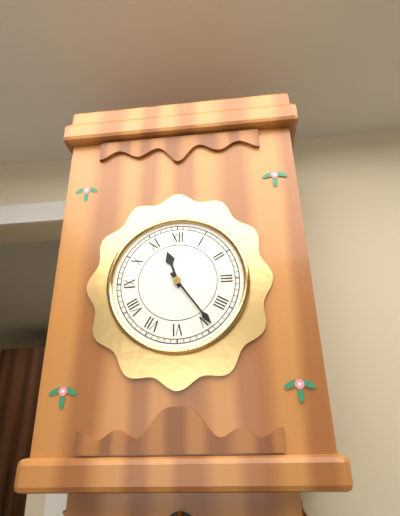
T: 11.24
